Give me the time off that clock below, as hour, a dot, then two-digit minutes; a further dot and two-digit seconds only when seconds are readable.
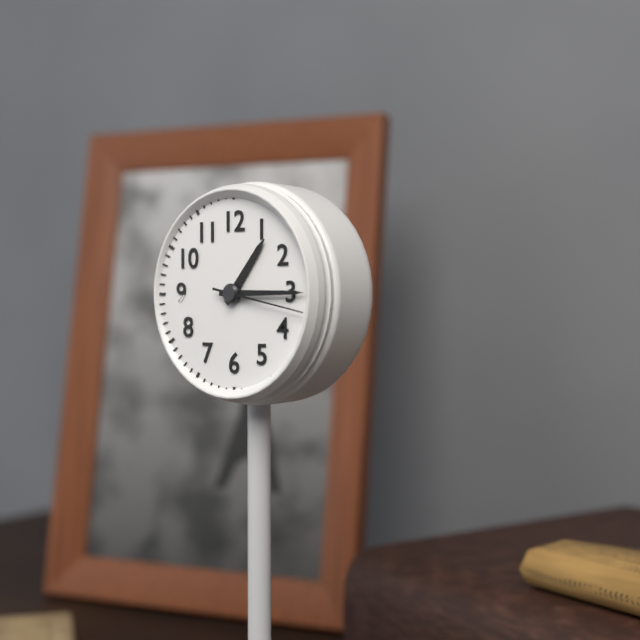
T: 1.15.17
